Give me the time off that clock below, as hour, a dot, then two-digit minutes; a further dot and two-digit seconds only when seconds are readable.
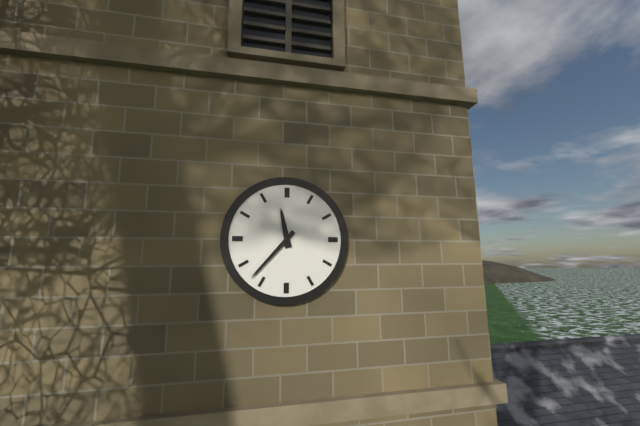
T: 11.37
